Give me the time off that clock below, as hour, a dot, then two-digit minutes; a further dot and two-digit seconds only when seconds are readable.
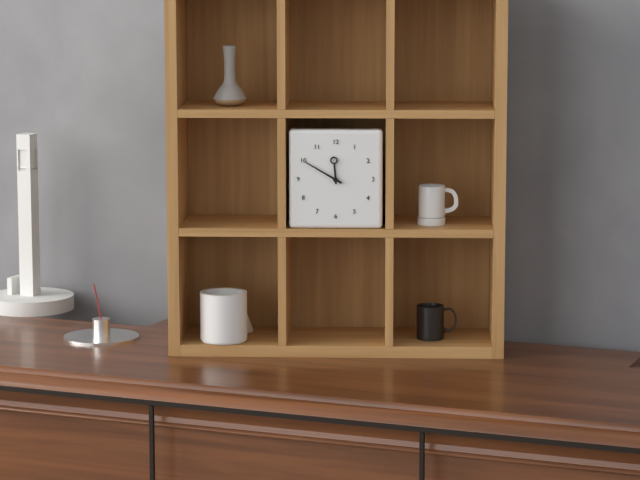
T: 11.50
